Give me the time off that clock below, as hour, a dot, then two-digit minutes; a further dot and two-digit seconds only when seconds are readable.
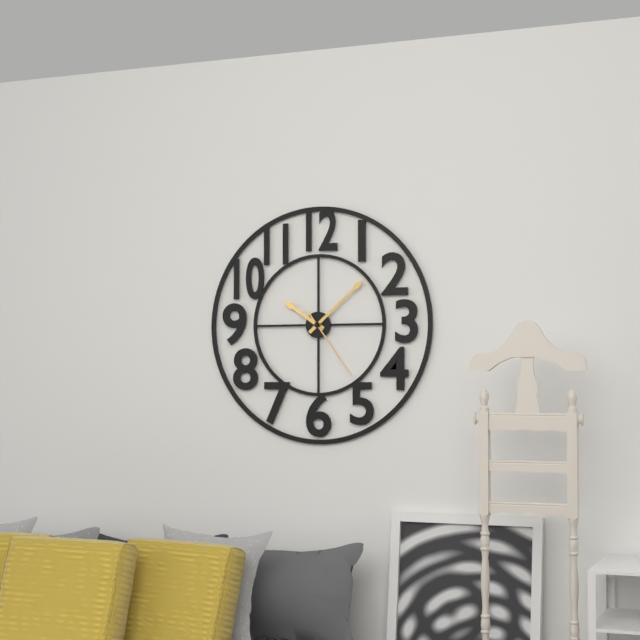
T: 10.08.24
